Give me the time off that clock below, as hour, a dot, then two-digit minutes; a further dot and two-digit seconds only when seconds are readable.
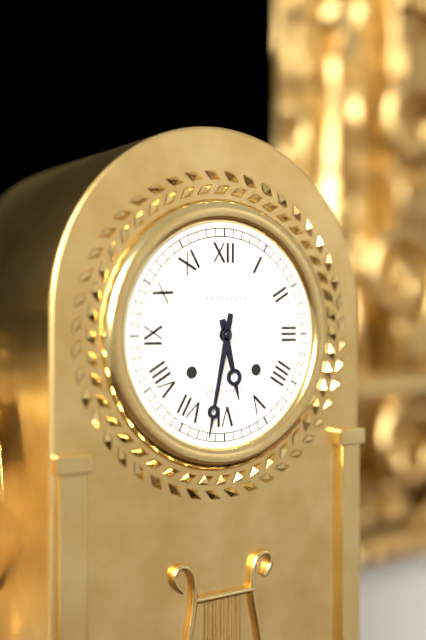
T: 5.32
